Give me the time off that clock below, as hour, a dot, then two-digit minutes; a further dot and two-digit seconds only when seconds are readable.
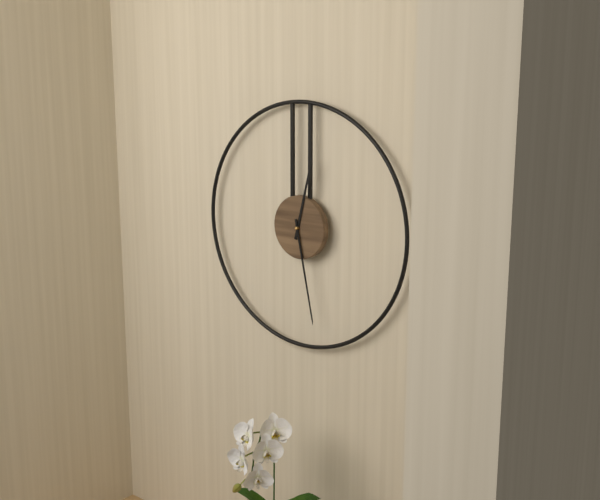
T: 12.28
